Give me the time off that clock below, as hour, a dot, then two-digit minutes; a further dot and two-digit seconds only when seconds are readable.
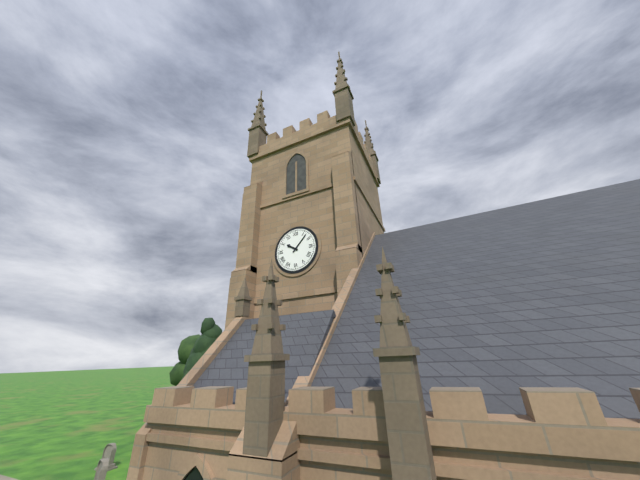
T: 10.07
